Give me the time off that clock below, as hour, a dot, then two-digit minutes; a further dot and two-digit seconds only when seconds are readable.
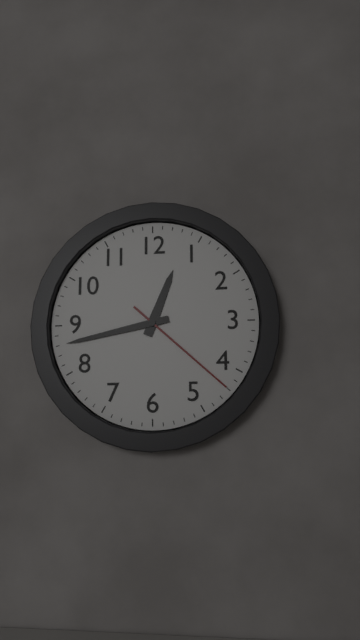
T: 12.43.22
